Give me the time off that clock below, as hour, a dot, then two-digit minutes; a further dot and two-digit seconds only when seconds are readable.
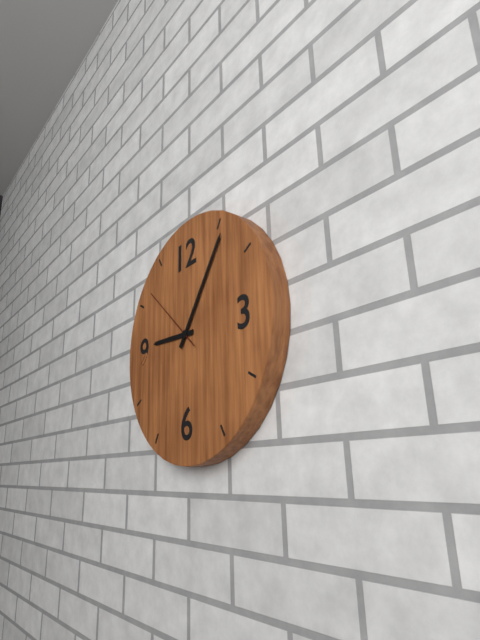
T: 9.06.52
